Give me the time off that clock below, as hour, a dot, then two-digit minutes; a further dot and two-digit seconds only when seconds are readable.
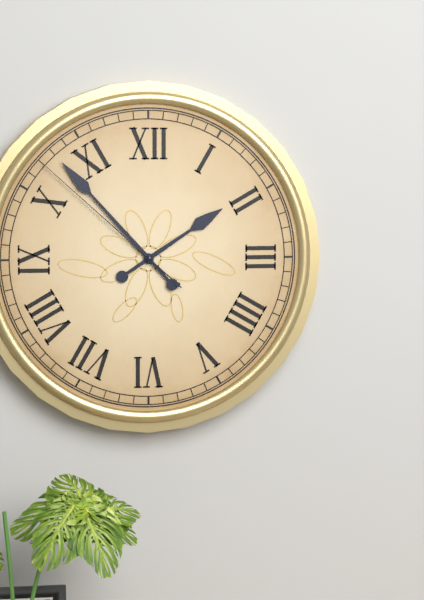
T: 1.53.52
